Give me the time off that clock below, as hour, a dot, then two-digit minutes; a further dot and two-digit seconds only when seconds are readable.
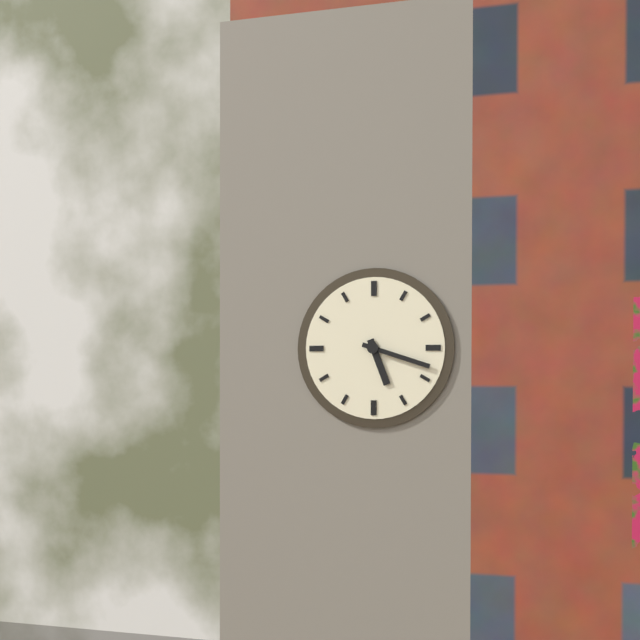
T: 5.18
